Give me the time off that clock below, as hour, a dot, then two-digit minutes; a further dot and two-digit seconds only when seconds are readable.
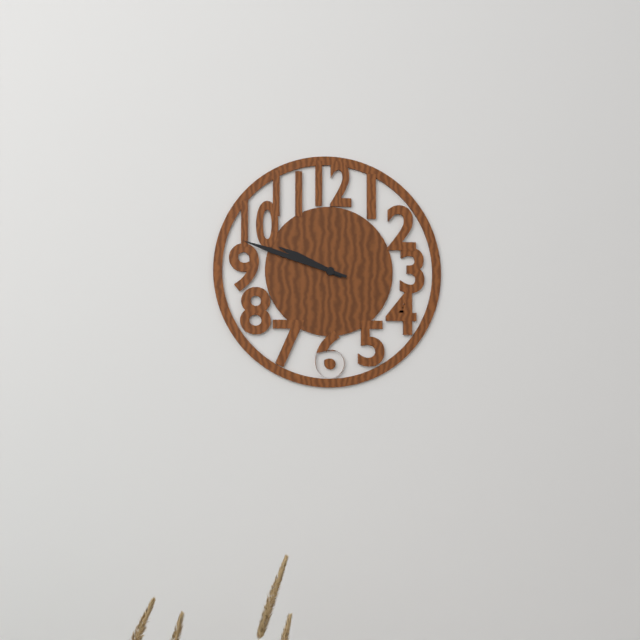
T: 9.48
